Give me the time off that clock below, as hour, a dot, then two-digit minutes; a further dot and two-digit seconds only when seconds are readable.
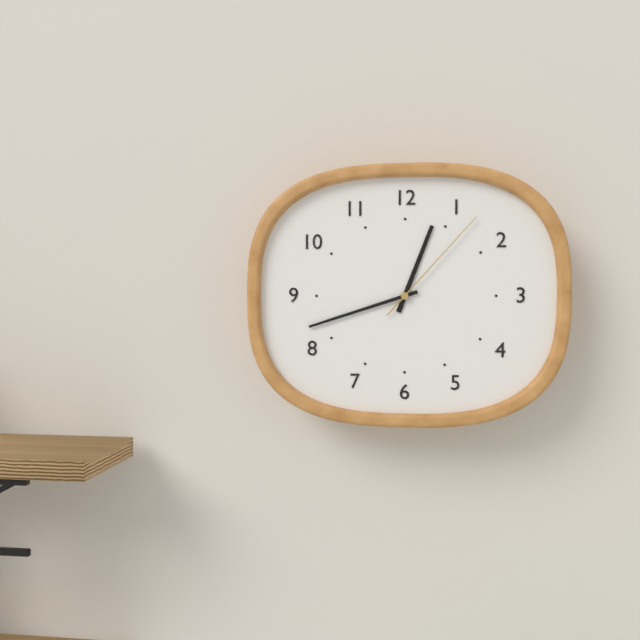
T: 12.42.07
